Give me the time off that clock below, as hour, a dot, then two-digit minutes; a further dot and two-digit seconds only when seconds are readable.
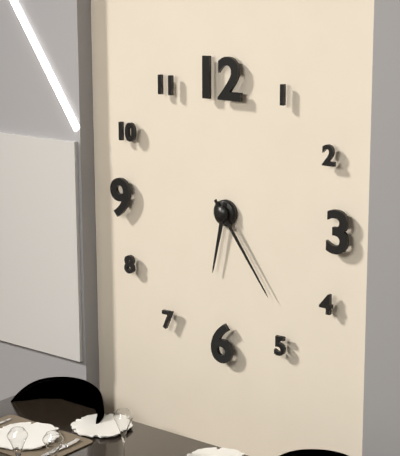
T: 6.24
